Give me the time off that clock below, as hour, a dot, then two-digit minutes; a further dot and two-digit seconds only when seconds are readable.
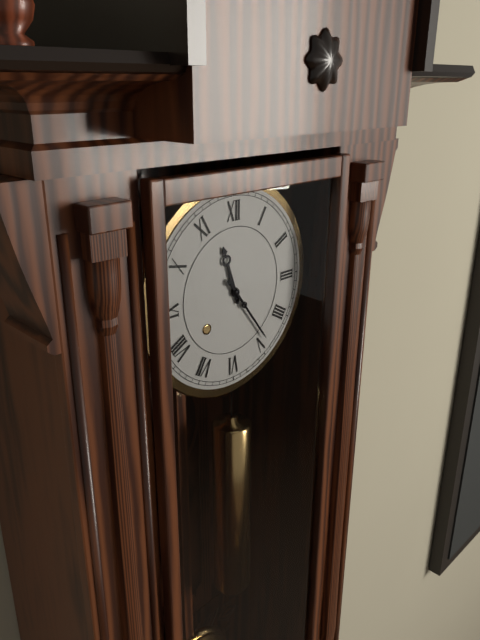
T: 11.24
